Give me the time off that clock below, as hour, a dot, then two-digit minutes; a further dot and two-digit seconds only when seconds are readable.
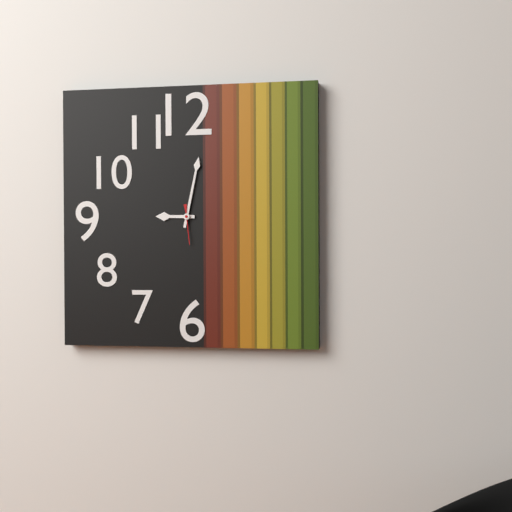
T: 9.02
